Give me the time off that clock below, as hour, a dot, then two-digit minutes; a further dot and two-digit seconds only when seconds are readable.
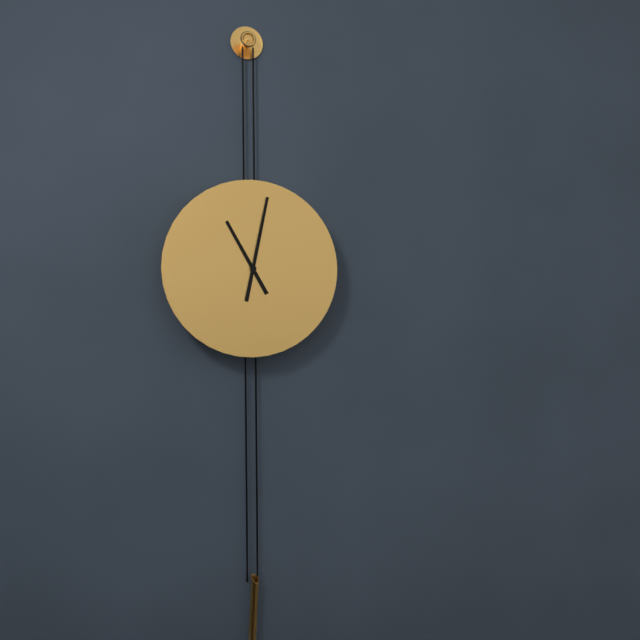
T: 11.02
